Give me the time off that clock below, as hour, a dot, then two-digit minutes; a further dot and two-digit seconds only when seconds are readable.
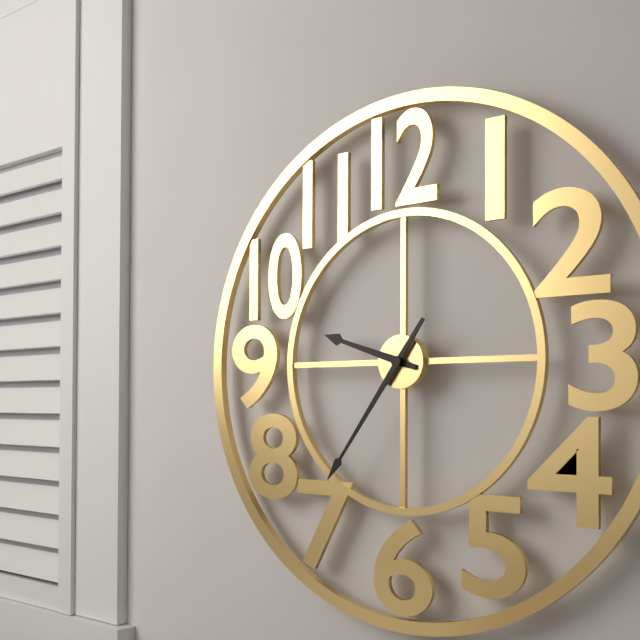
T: 9.36
